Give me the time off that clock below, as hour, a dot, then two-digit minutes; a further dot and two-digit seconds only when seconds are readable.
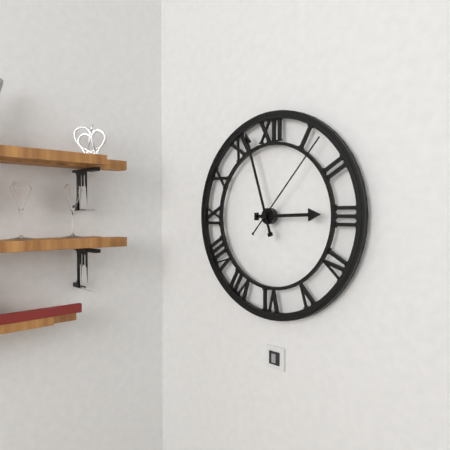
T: 2.57.07
